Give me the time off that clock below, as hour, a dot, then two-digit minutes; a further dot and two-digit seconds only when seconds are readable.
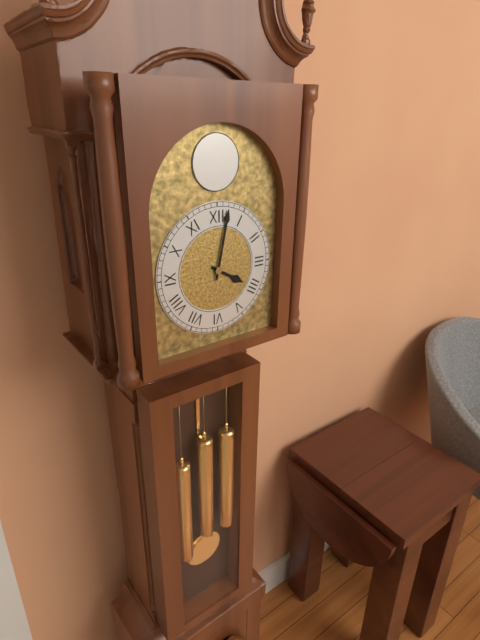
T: 4.02
